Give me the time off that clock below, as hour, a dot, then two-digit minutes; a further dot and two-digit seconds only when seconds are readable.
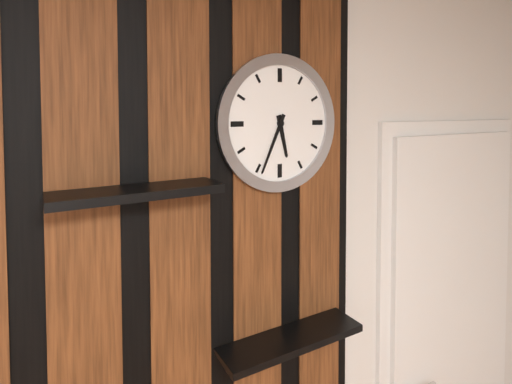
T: 5.34
